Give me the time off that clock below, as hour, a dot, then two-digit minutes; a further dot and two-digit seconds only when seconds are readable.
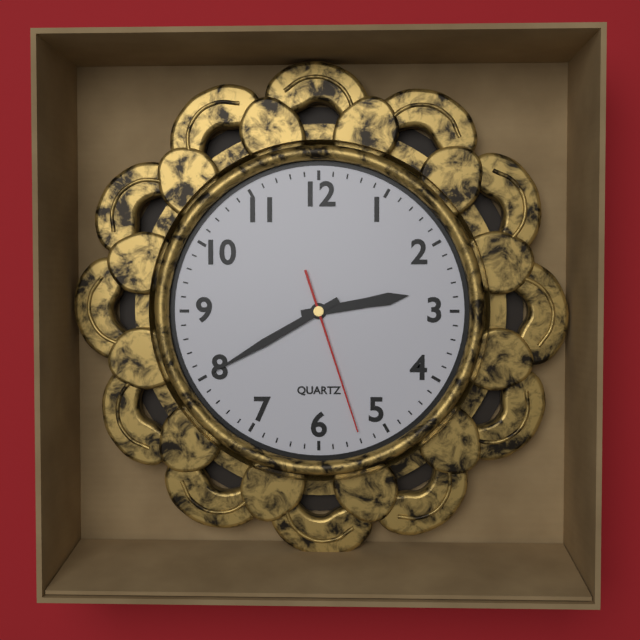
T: 2.40.27
